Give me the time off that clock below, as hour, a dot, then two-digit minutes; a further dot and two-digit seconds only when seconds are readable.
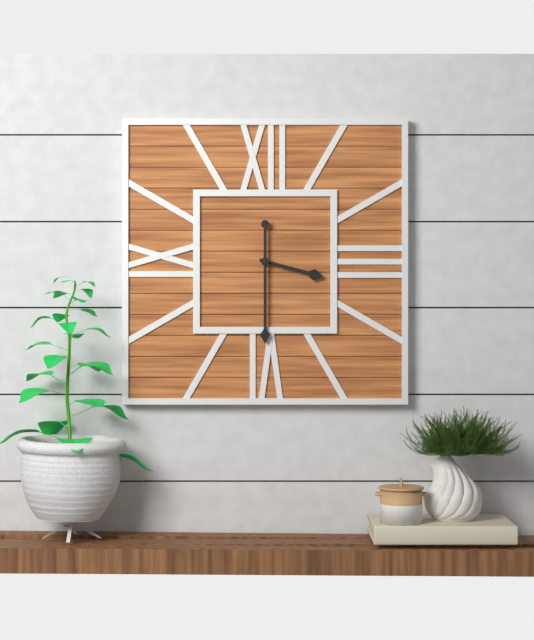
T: 3.30
